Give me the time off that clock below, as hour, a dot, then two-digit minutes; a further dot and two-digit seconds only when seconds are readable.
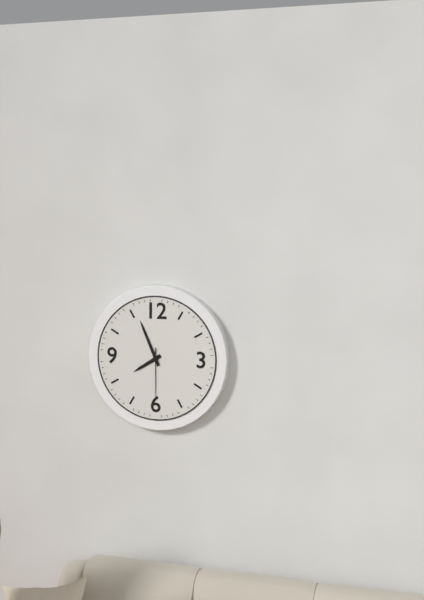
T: 7.56
